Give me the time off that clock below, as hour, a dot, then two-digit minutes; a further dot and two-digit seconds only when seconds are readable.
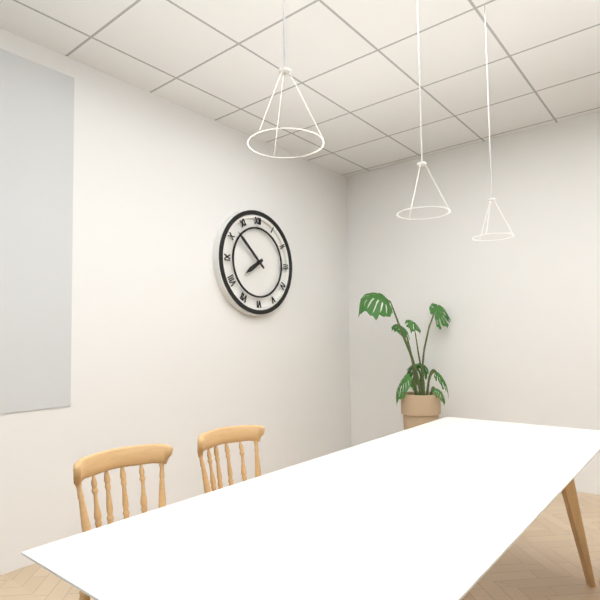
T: 7.52
